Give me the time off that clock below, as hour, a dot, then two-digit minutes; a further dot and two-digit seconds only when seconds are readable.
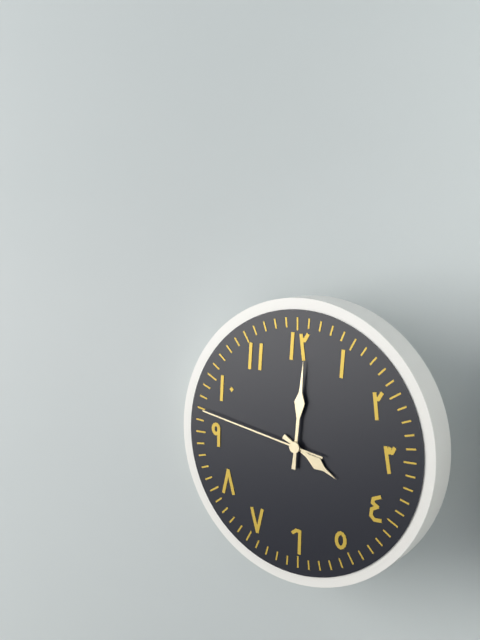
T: 4.01.47
